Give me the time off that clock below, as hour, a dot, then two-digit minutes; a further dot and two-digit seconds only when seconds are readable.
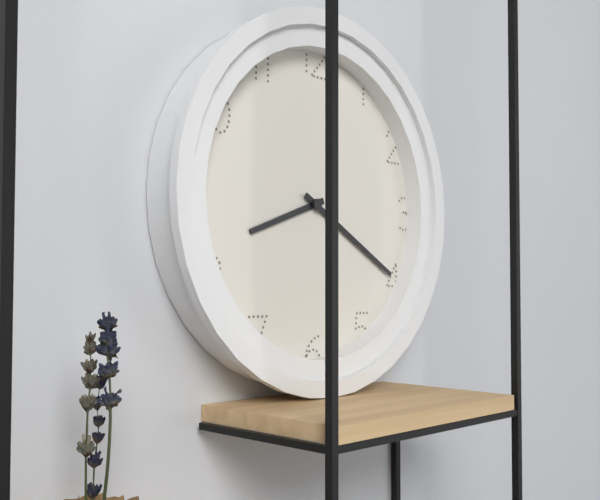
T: 8.20
